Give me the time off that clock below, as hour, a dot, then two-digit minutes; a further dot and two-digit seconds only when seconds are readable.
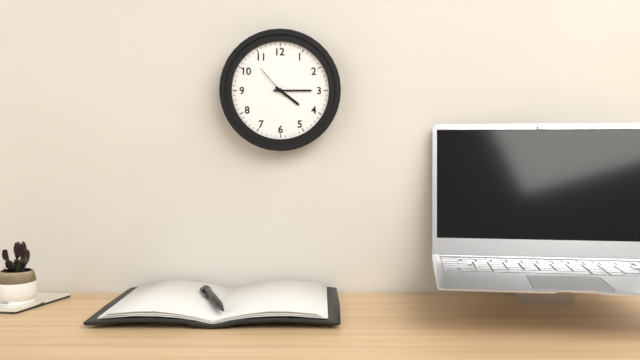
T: 4.15
